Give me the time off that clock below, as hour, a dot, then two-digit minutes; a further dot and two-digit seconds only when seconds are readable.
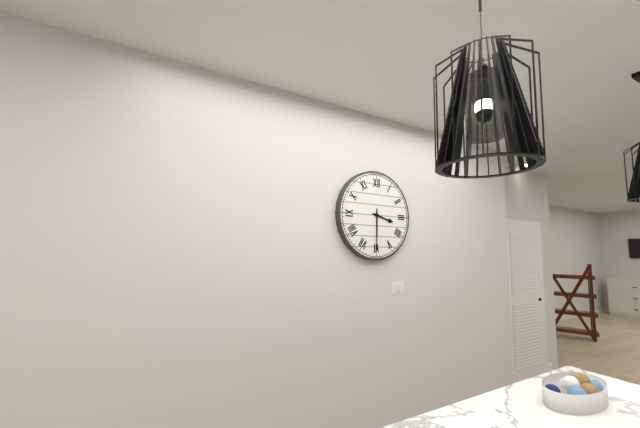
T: 3.30
